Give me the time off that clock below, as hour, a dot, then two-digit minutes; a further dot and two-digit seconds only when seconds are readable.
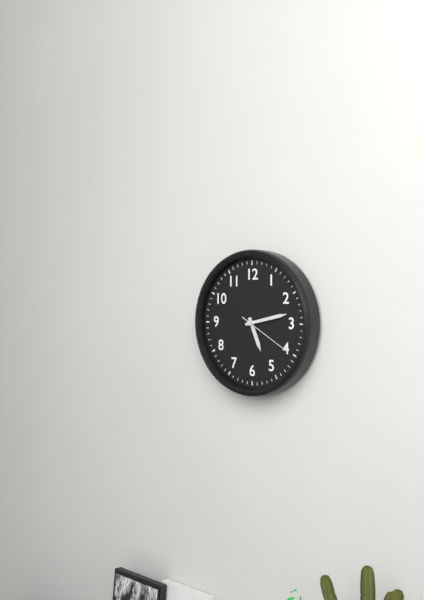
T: 5.13.20
